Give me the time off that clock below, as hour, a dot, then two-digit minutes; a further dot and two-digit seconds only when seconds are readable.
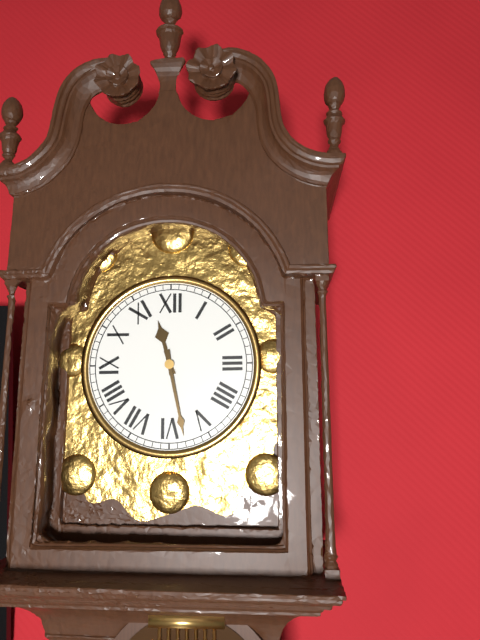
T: 11.28
